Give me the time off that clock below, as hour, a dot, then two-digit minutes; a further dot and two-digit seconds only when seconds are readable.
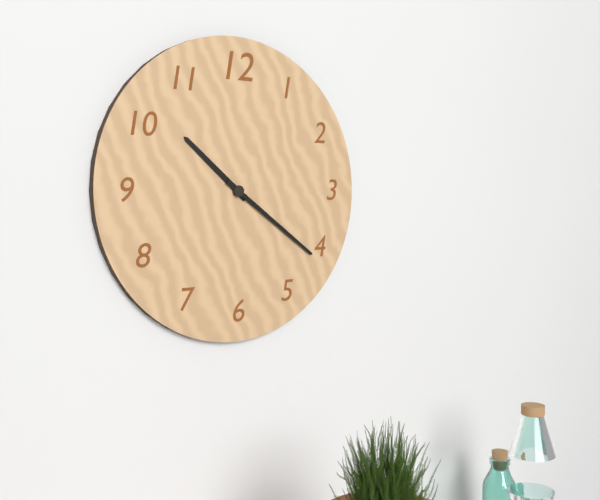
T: 10.21
